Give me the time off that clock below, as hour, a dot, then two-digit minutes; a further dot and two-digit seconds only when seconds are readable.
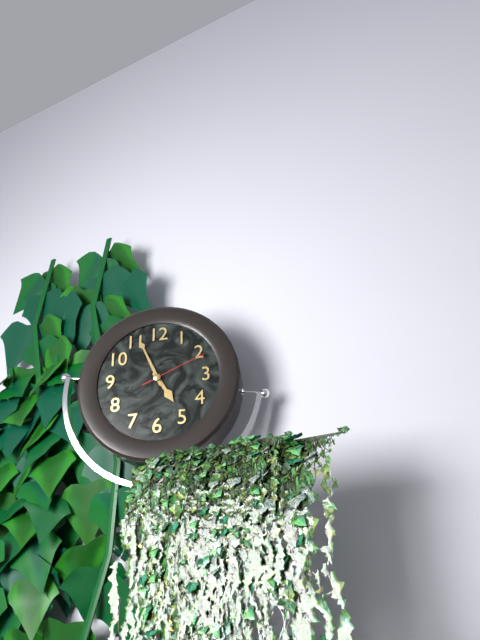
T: 4.56.11
